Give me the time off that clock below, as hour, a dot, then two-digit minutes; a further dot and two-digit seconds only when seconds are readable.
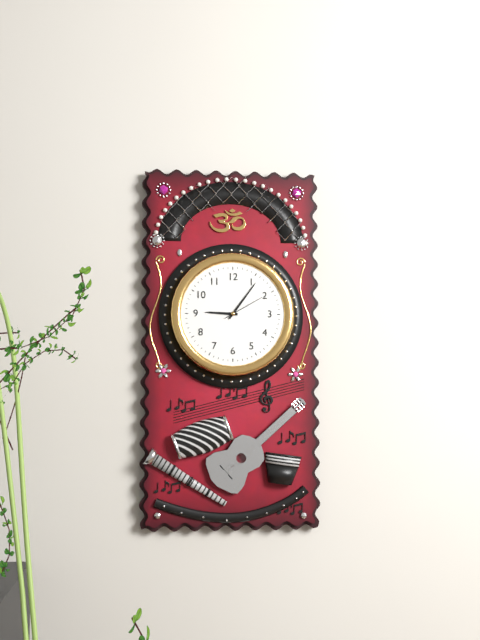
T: 9.06
